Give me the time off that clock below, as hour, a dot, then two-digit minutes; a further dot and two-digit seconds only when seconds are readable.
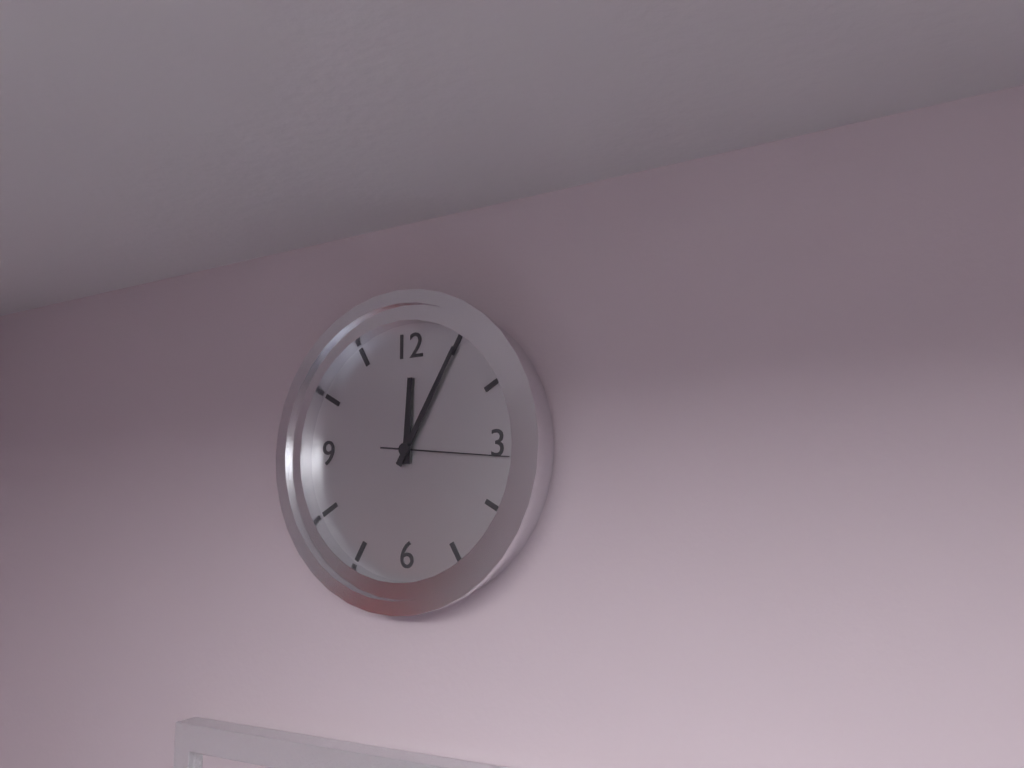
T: 12.05.16
